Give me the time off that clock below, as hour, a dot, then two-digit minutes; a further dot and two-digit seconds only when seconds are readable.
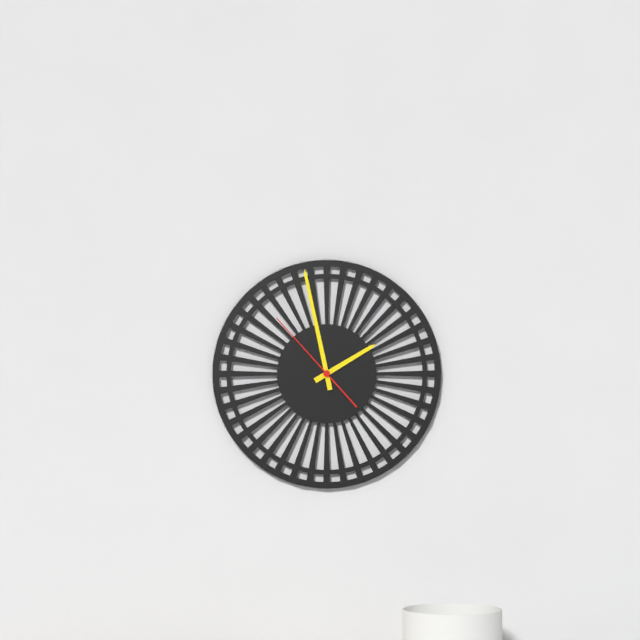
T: 1.58.53
